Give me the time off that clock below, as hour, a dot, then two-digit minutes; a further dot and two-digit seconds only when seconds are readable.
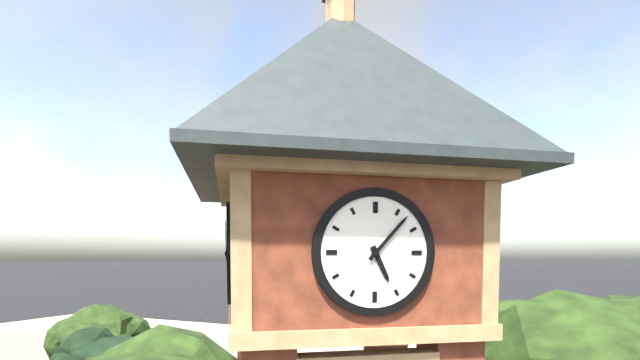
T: 5.07
